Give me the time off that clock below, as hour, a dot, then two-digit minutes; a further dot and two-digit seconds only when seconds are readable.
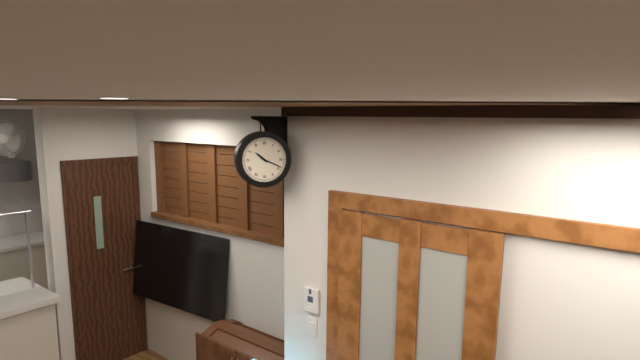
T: 10.19
